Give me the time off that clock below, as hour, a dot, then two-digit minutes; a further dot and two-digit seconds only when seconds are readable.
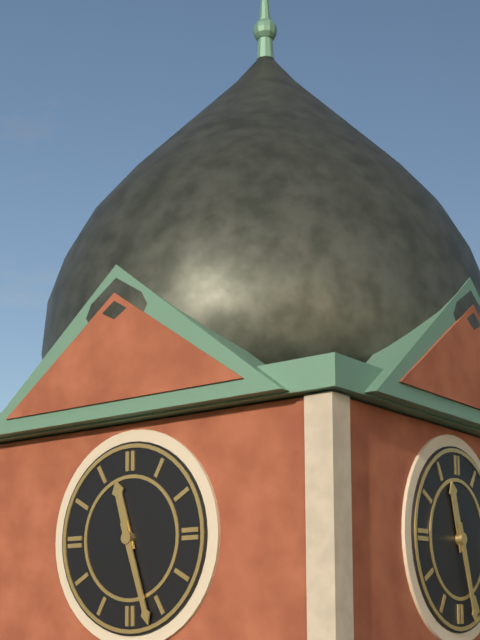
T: 11.27
